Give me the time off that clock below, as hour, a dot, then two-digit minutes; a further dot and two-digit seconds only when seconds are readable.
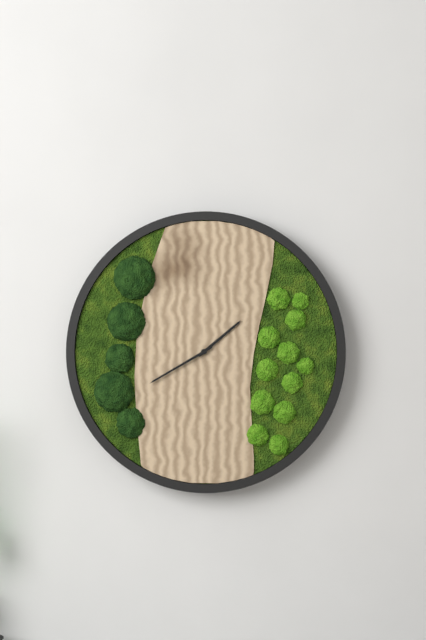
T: 1.40
